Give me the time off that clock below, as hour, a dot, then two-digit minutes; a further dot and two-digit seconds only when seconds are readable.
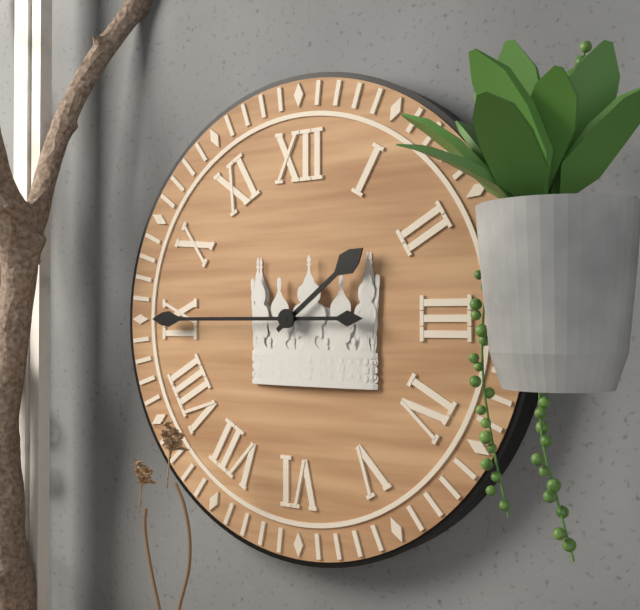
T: 1.45
